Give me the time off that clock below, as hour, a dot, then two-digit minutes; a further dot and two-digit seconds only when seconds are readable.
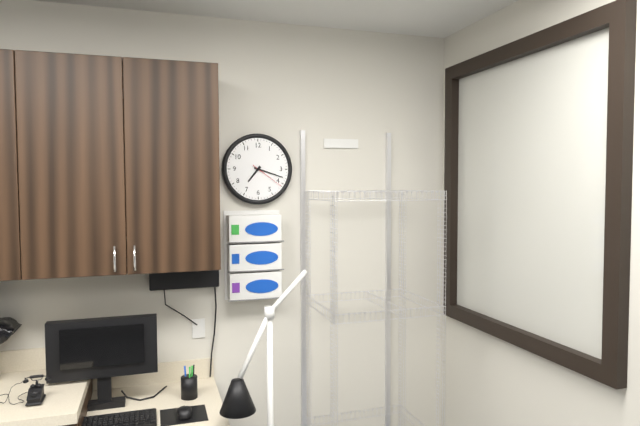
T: 7.18
